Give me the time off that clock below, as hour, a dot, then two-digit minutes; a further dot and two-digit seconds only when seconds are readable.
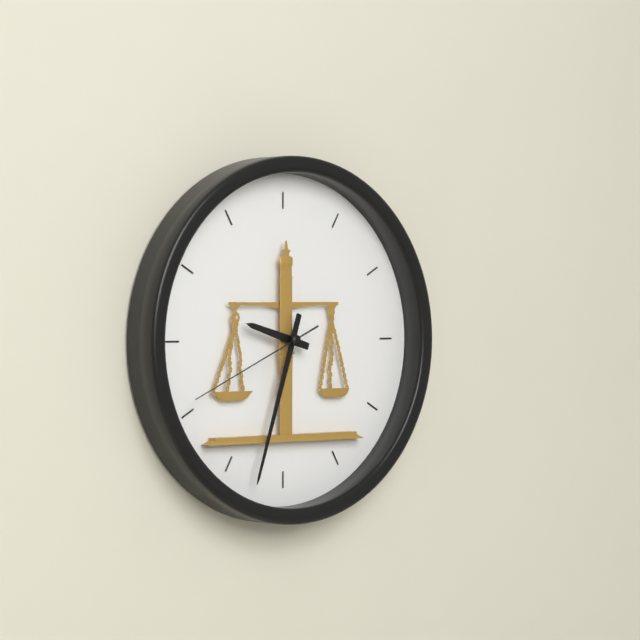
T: 9.33.41
